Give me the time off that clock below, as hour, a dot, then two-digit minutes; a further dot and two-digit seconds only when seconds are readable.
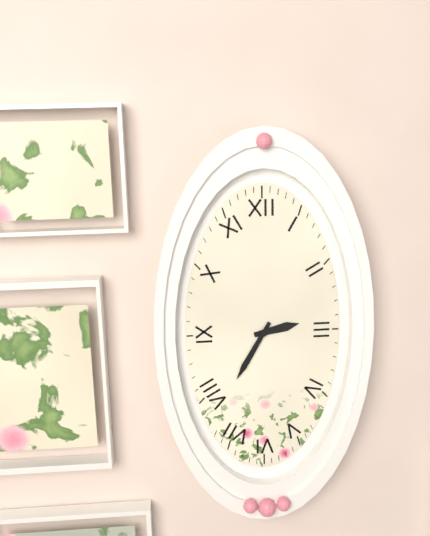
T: 2.35
